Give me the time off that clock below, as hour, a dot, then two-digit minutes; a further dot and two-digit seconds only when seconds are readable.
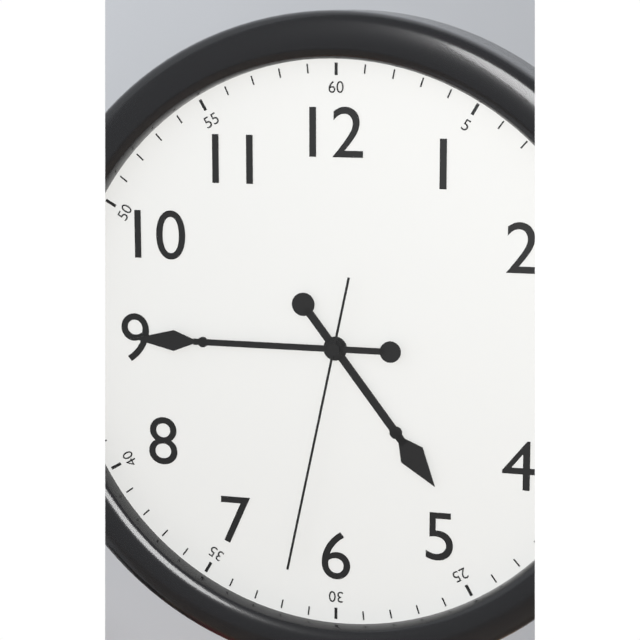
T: 4.45.32
